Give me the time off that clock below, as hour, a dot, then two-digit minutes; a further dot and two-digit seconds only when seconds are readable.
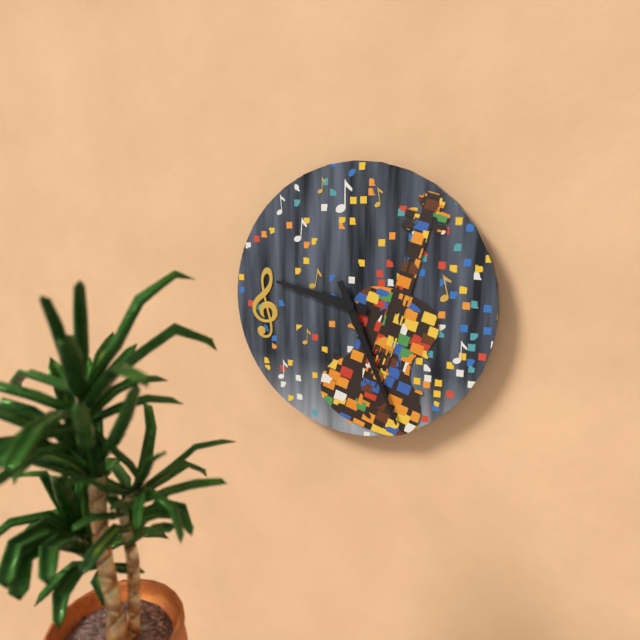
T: 9.26
